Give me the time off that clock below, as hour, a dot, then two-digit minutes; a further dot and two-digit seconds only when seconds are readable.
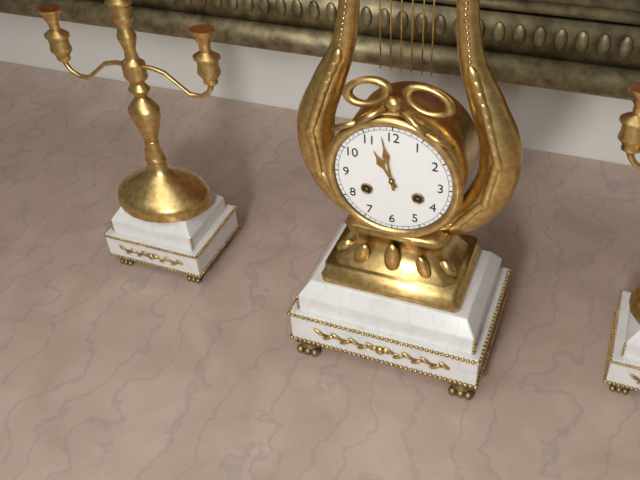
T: 10.58
